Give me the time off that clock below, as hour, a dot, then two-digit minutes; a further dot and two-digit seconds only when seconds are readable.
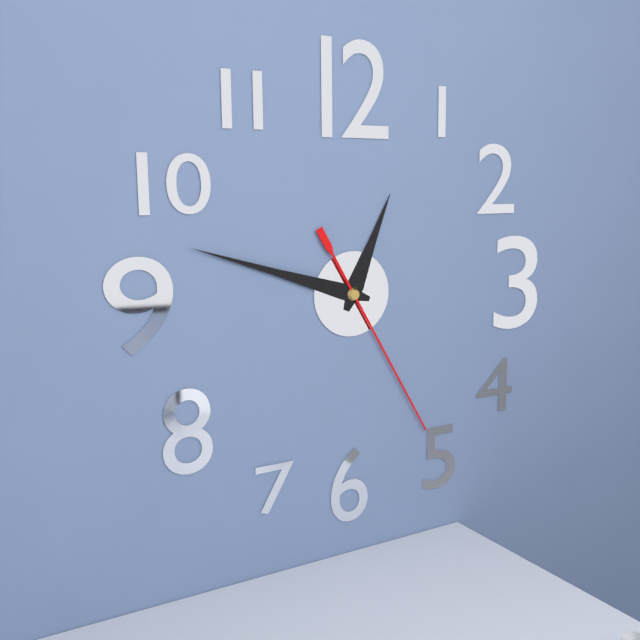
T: 12.48.25
